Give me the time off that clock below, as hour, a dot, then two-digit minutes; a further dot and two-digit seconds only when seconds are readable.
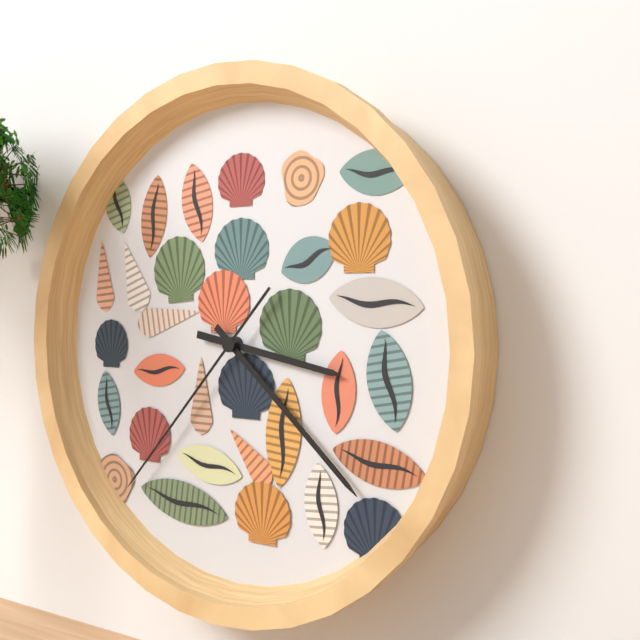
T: 3.22.37
